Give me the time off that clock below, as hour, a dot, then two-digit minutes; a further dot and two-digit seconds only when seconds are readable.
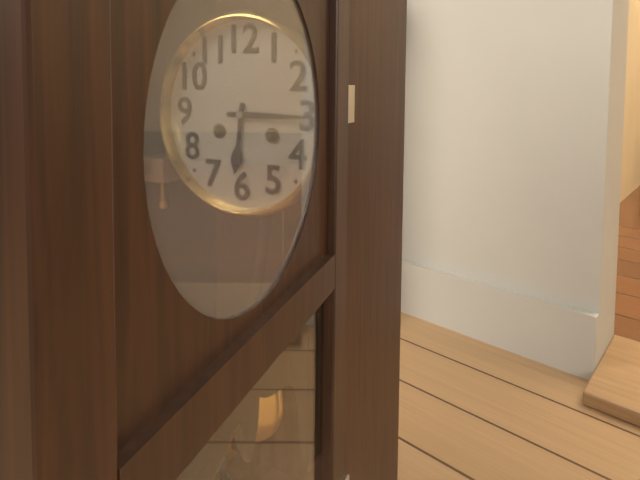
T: 6.15
